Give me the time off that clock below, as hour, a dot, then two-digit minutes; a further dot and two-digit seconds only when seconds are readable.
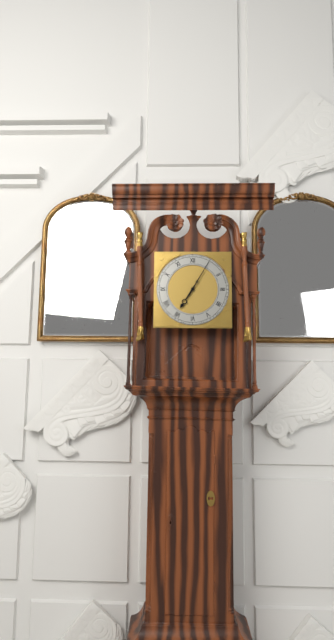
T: 7.05
